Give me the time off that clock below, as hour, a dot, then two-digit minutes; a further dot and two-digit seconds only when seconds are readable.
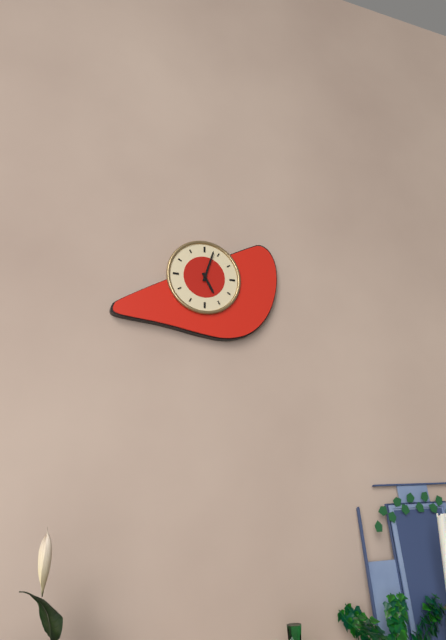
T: 5.03
